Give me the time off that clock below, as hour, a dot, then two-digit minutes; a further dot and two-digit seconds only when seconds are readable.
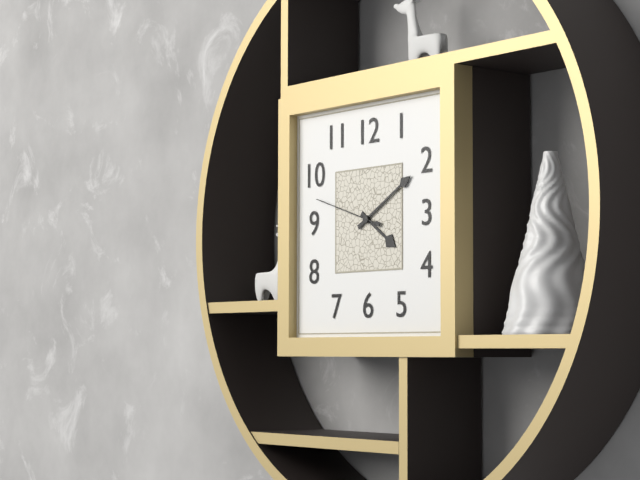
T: 4.10.48
